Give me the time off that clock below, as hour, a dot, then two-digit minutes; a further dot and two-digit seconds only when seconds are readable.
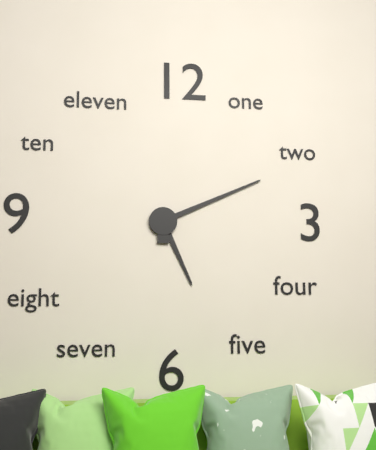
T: 5.11
